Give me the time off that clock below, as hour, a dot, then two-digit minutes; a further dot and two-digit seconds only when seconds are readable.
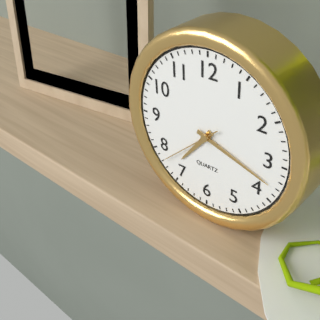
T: 7.18.38
